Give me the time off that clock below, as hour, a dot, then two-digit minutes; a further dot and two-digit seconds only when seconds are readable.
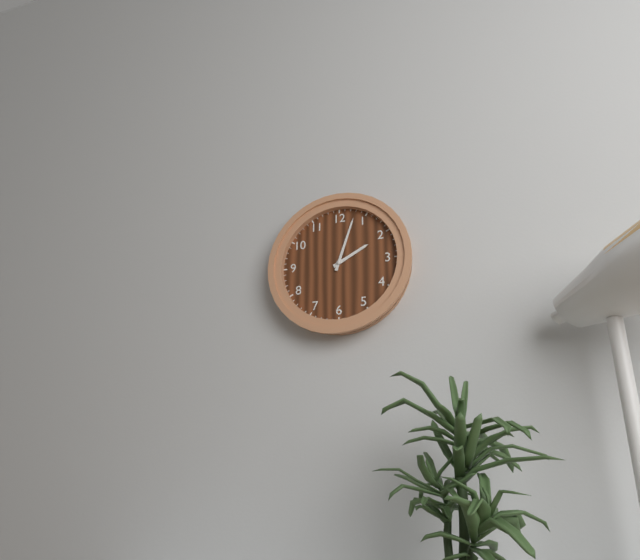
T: 2.03
